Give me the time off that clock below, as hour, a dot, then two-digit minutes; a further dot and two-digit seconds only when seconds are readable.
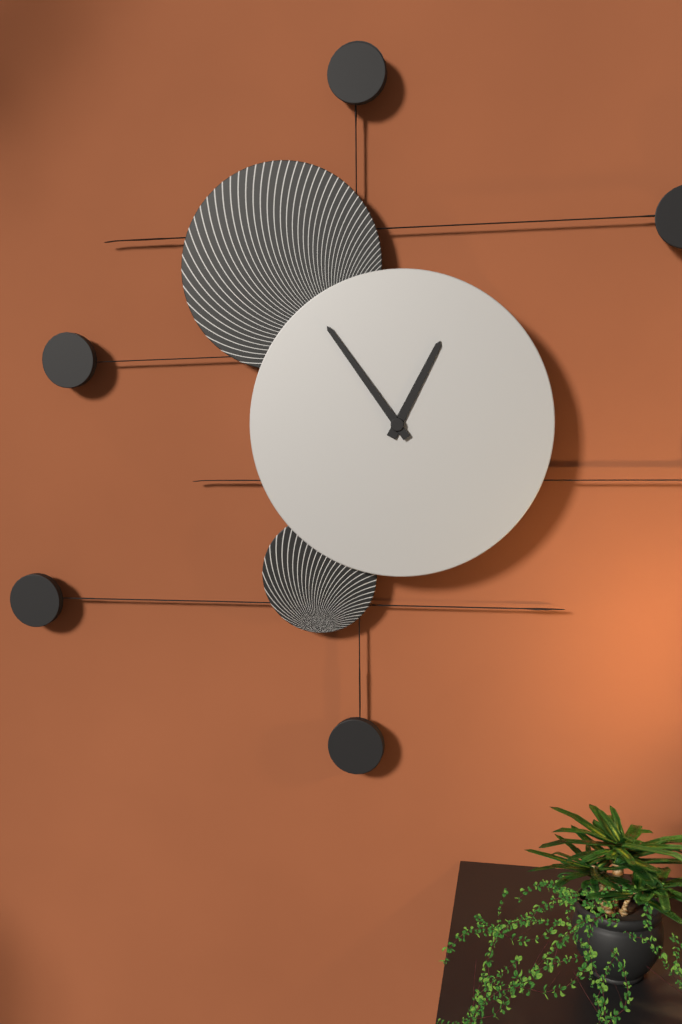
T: 12.54
